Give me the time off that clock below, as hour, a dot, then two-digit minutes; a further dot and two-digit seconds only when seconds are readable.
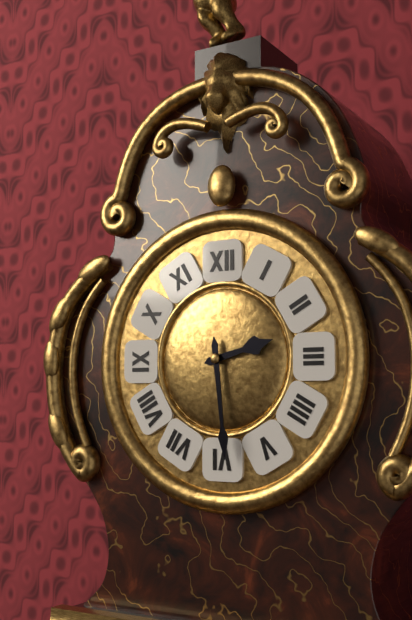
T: 2.29
